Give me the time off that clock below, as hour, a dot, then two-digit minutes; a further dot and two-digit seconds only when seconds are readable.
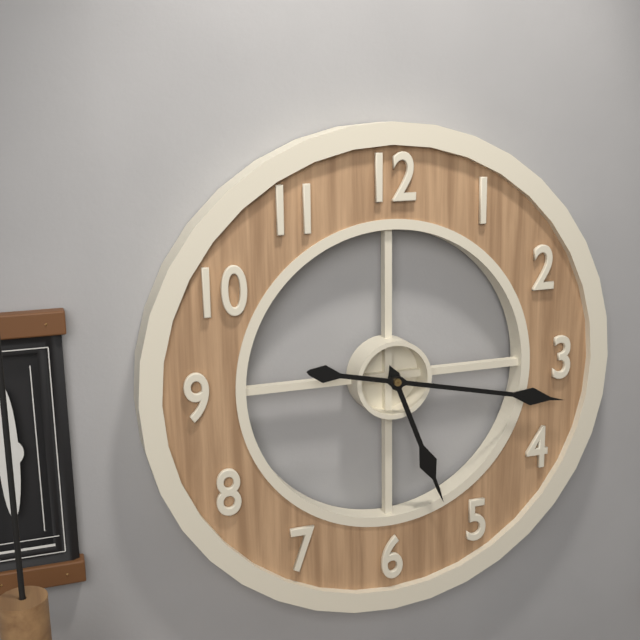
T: 5.17
